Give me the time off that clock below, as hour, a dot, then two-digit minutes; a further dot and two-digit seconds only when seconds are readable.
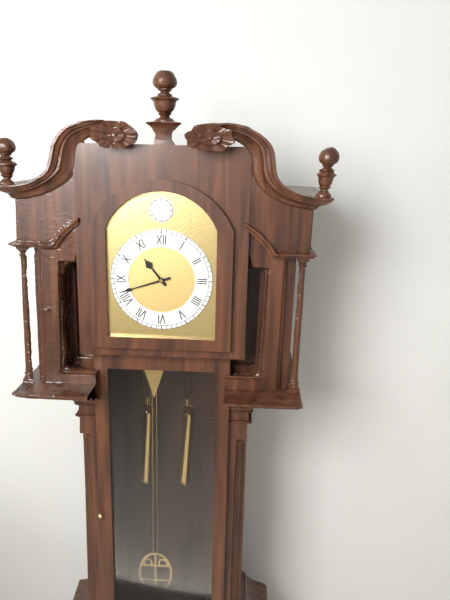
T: 10.42
